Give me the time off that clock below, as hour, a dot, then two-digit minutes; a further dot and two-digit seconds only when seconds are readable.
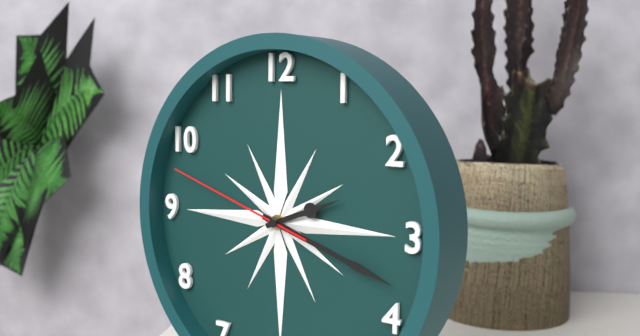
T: 2.18.48
